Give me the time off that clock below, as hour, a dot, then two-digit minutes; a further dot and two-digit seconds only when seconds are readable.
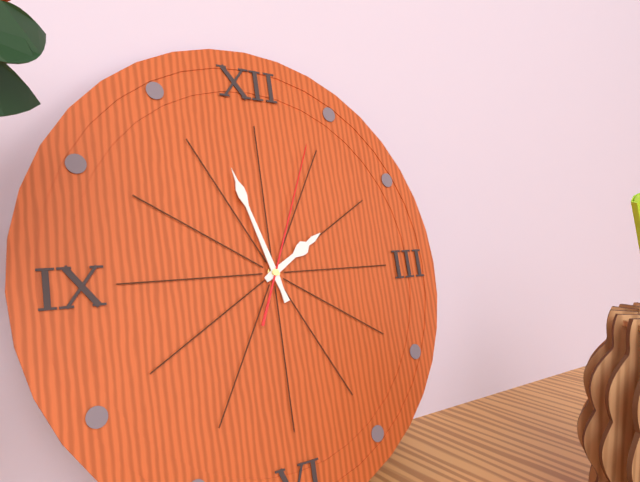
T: 1.57.04
